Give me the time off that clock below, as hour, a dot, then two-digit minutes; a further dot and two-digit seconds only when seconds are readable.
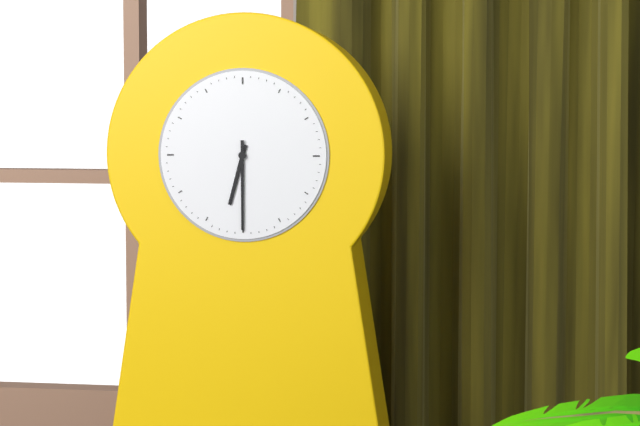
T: 6.30
